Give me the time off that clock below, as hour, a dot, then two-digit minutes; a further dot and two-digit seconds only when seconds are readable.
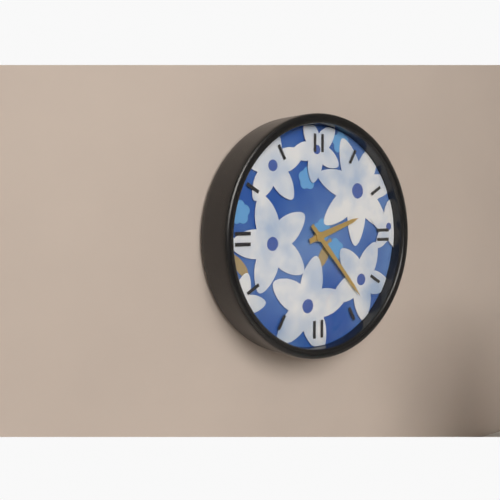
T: 2.23
